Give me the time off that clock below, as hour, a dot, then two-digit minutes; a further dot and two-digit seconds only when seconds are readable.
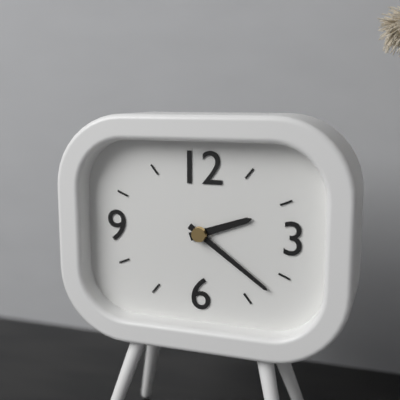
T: 2.21
